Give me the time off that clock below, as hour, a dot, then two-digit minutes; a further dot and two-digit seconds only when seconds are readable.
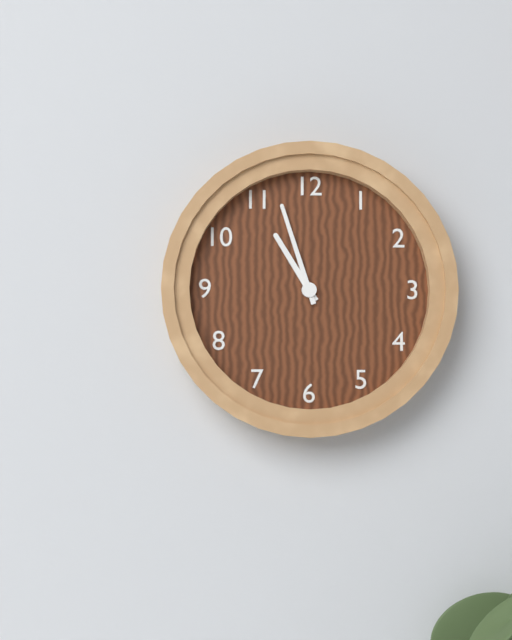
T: 10.57
